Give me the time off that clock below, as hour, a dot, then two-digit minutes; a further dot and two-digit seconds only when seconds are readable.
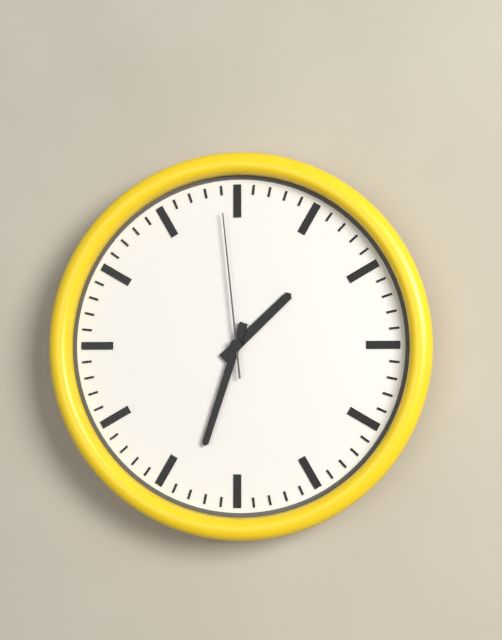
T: 1.33.59
